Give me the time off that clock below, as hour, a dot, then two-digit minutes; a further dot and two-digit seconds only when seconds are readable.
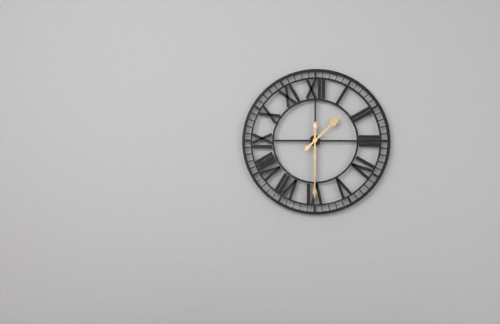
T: 1.30
